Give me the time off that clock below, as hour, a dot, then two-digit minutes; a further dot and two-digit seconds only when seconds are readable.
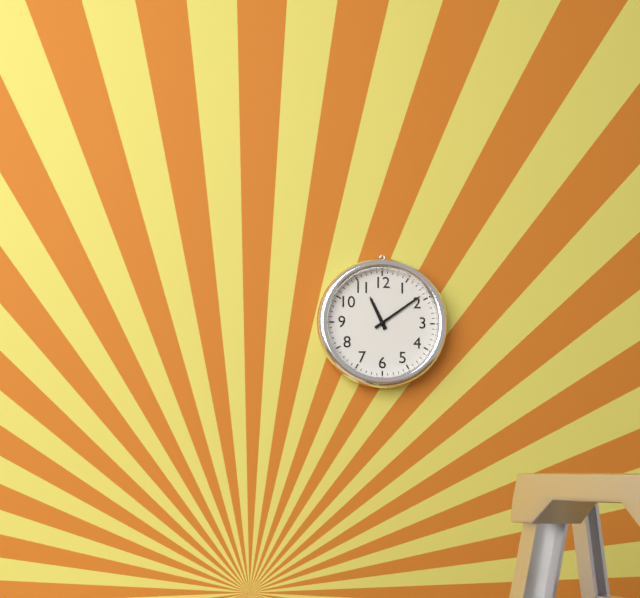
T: 11.09
